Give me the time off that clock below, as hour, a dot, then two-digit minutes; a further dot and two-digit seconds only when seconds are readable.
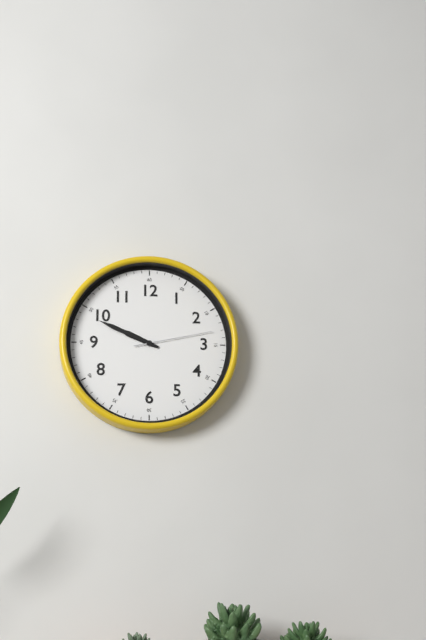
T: 9.49.13
